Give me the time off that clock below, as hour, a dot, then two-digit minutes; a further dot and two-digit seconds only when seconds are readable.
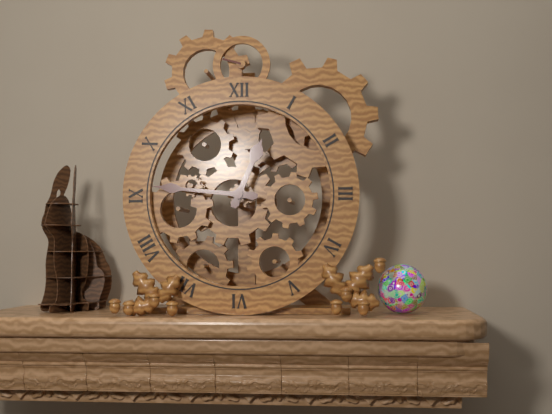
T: 12.46
